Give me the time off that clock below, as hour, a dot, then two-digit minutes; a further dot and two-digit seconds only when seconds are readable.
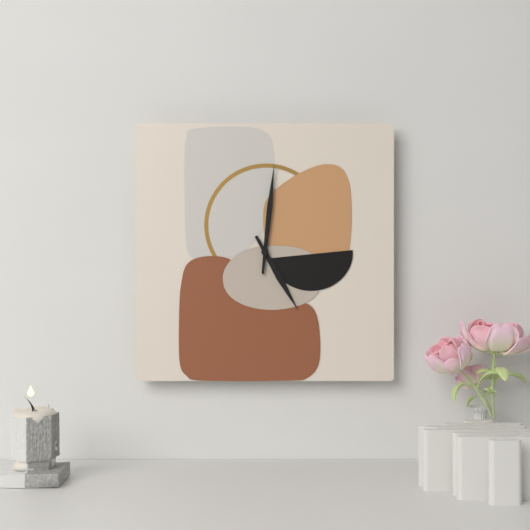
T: 5.01
